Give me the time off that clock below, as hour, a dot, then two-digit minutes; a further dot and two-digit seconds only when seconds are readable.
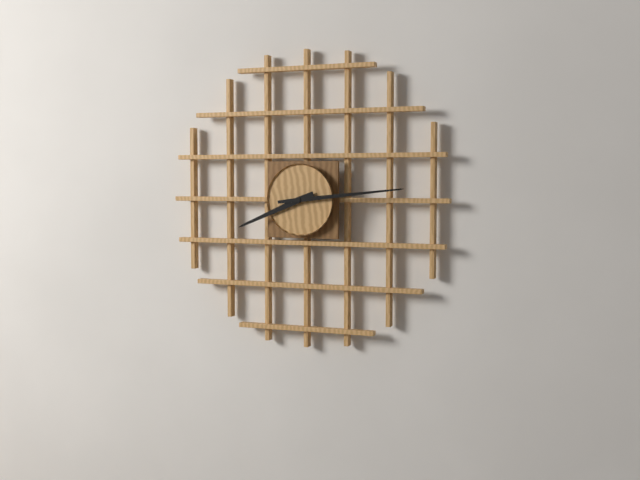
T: 8.14
